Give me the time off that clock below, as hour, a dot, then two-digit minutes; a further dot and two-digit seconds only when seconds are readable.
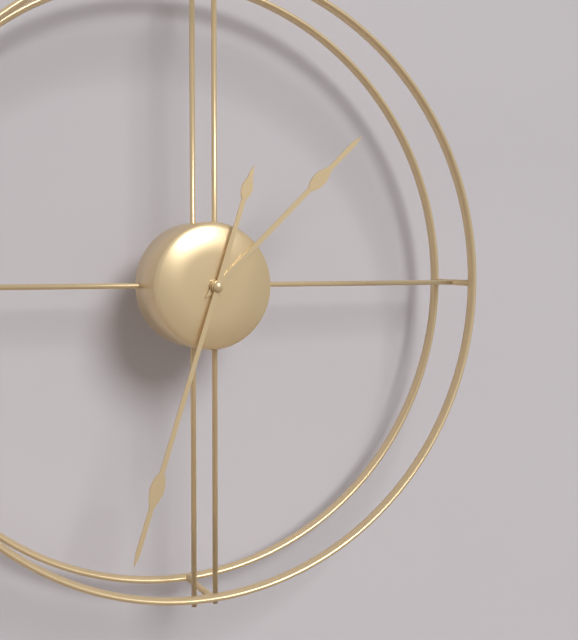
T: 1.33
